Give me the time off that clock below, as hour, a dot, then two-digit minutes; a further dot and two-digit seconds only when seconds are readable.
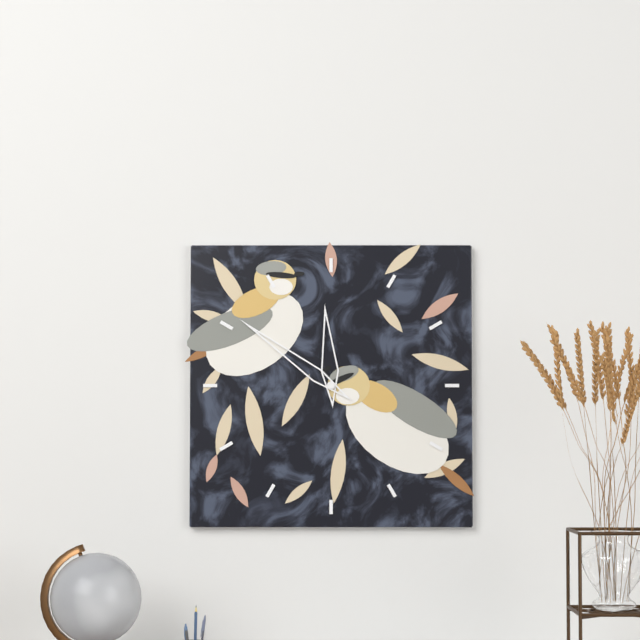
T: 11.51
